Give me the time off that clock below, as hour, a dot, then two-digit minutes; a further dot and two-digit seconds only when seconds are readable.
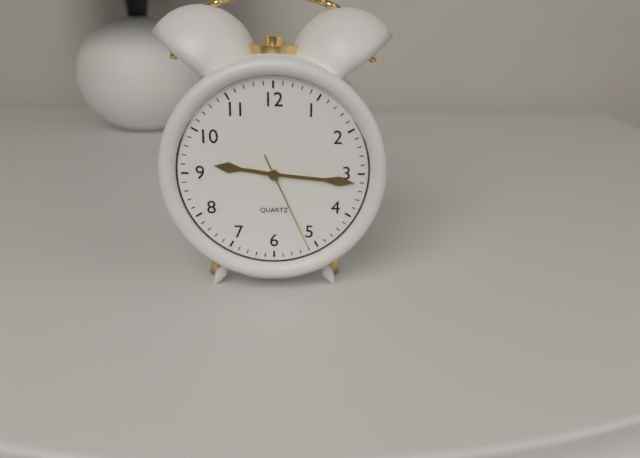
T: 9.16.26
